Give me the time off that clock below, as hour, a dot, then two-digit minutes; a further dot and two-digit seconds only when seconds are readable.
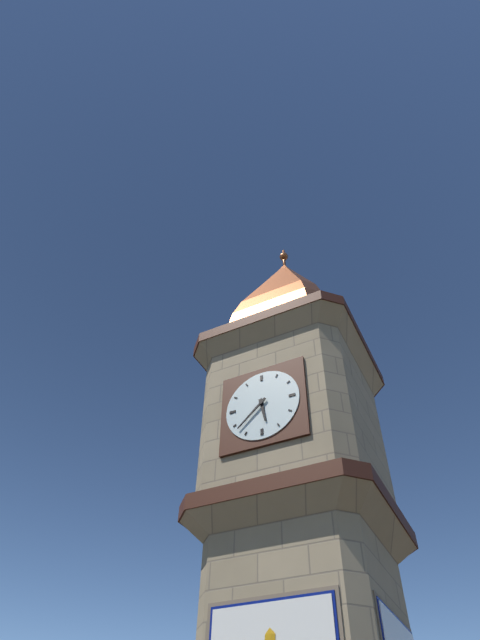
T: 5.38
